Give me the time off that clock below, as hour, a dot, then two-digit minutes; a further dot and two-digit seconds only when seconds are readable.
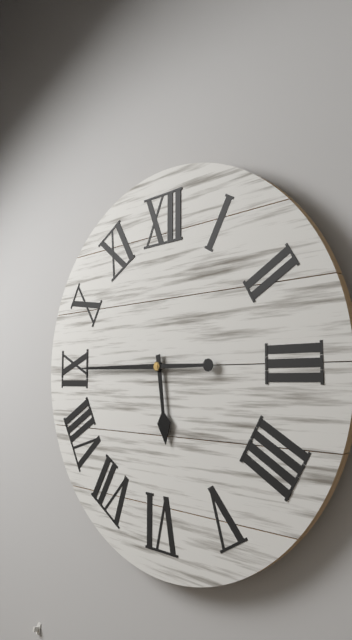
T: 5.45
